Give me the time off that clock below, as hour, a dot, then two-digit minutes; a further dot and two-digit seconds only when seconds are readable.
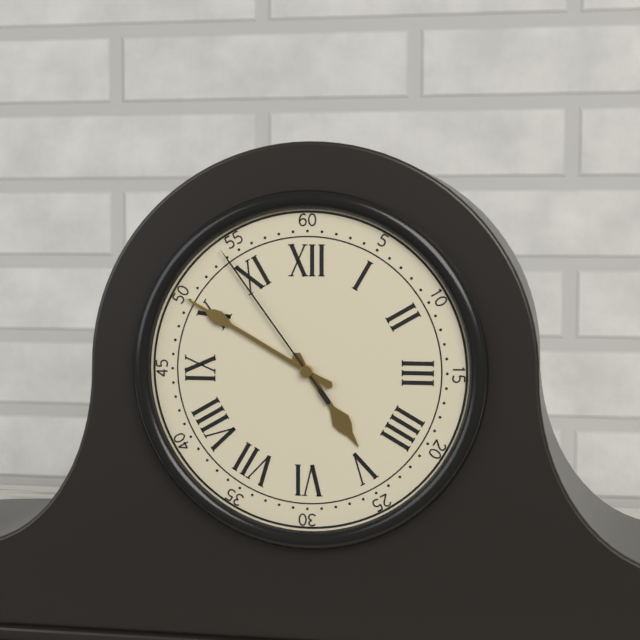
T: 4.50.54
